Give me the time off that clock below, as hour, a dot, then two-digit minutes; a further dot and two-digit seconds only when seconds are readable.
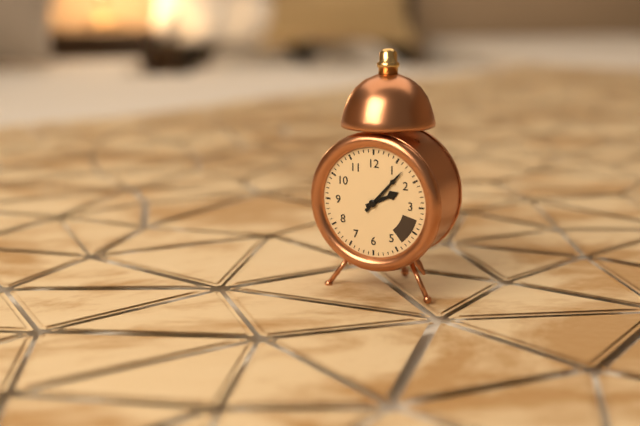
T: 2.07
